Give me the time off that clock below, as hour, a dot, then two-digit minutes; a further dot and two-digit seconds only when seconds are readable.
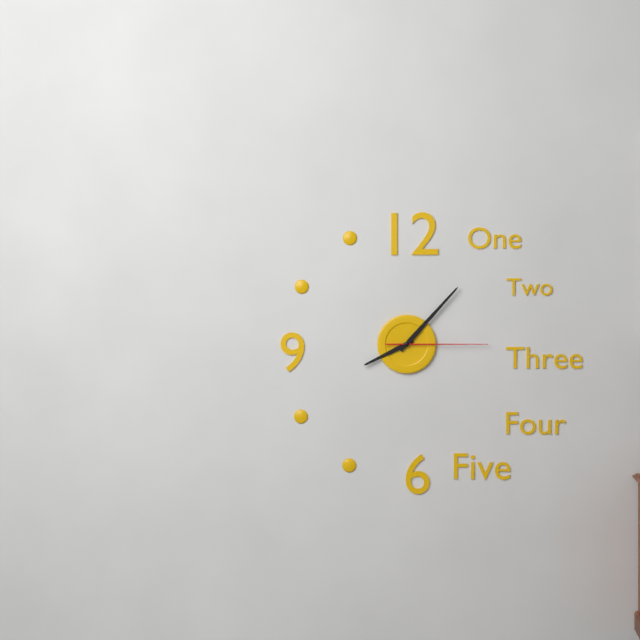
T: 8.07.15
